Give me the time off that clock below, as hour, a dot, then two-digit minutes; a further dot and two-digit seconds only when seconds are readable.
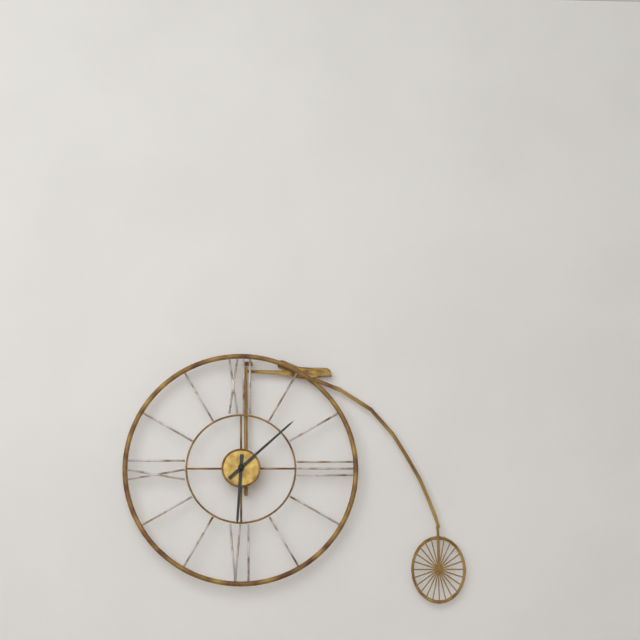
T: 6.08
